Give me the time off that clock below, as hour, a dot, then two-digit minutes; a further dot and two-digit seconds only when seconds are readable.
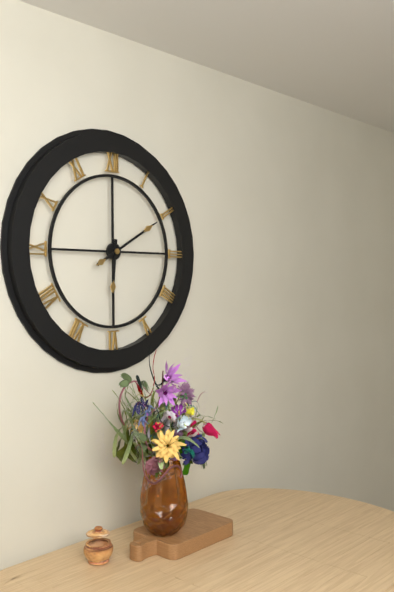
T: 6.10
